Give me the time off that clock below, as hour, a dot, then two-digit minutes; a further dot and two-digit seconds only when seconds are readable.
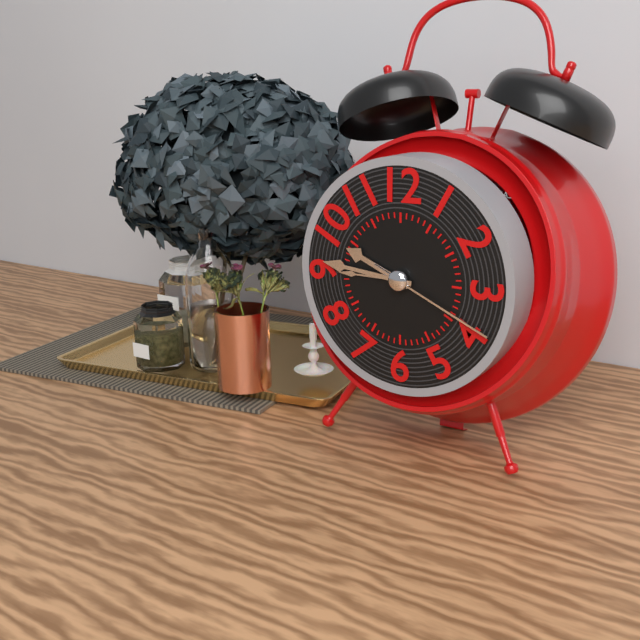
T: 9.46.19
